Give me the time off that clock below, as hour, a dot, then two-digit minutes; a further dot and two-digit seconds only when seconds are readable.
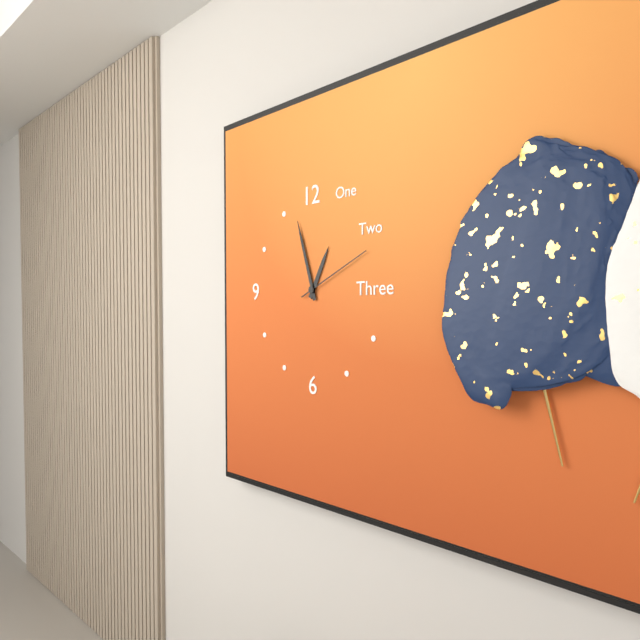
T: 12.57.11
